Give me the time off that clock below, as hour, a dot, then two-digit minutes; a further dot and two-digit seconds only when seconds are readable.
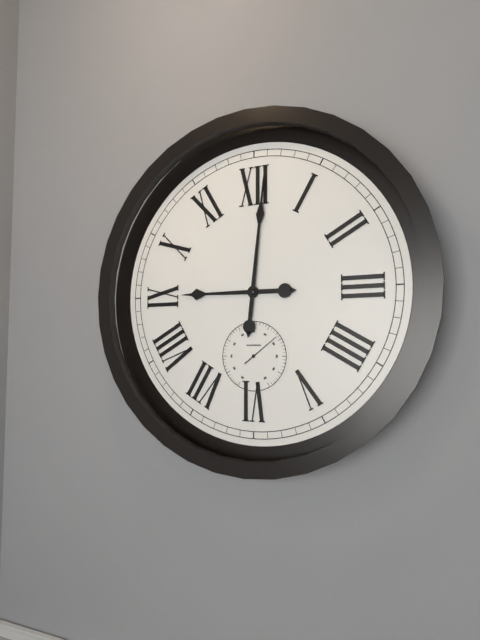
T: 9.01
